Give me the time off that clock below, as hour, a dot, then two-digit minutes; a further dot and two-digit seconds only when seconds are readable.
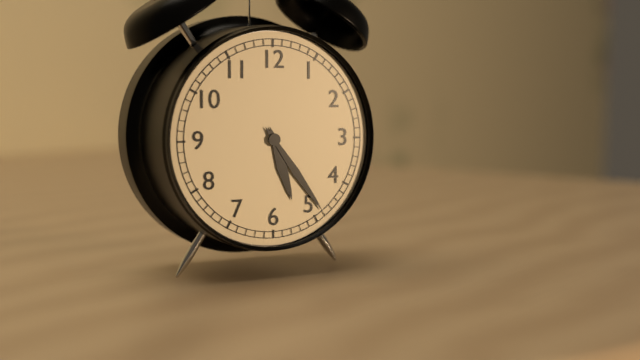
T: 5.24
